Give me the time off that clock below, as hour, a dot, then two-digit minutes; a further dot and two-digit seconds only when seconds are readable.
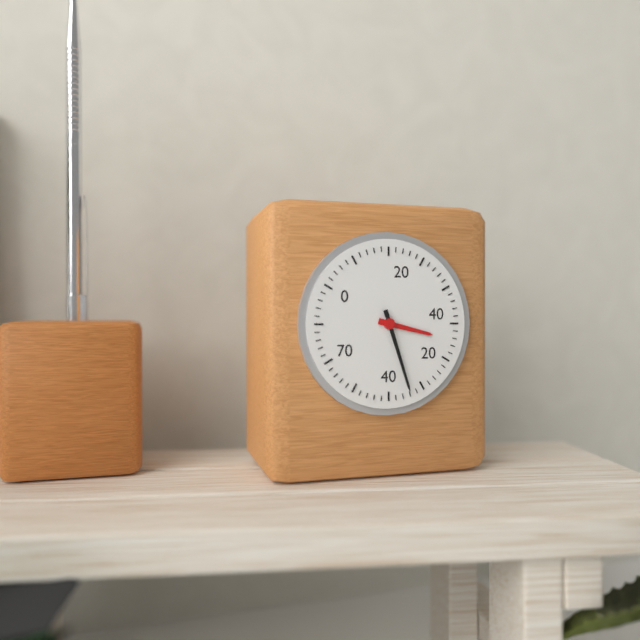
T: 3.27
